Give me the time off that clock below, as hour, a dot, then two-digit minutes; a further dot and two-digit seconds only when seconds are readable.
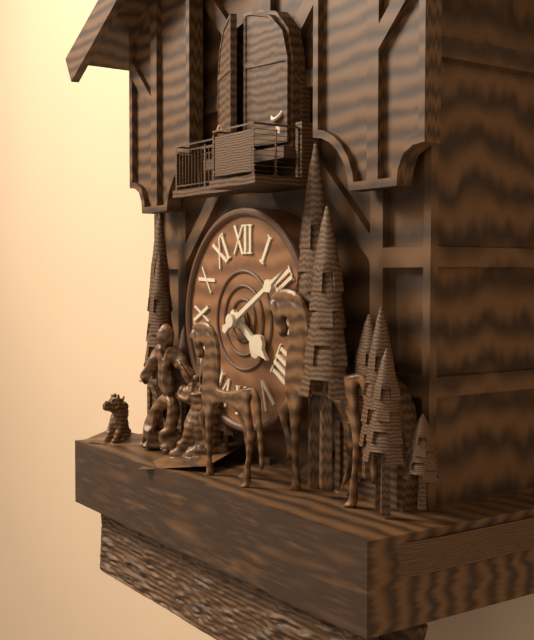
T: 4.10
